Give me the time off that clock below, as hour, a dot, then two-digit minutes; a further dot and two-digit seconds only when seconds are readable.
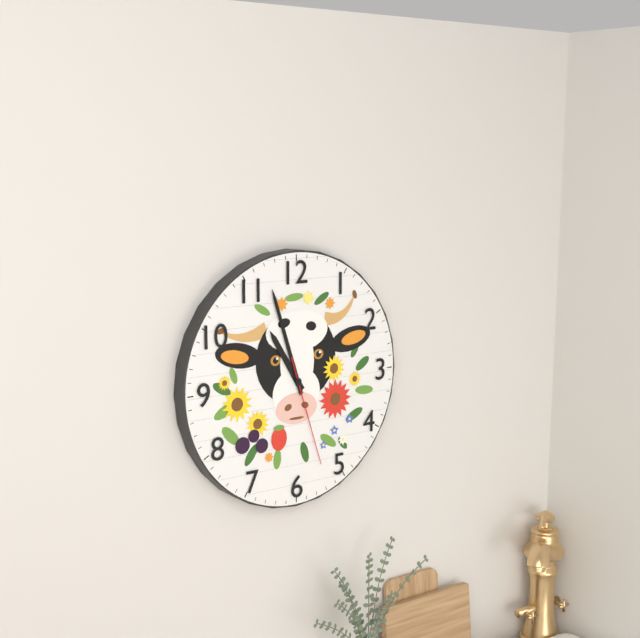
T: 10.57.27
